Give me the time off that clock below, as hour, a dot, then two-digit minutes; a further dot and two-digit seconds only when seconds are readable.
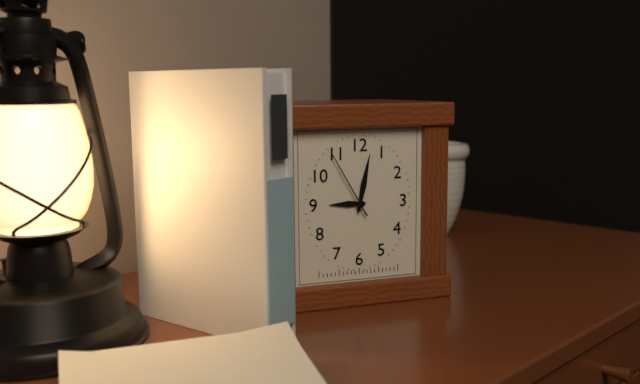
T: 9.02.55
